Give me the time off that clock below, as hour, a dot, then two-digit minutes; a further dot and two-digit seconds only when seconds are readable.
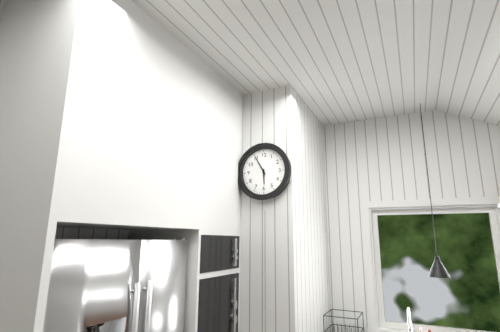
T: 5.55
